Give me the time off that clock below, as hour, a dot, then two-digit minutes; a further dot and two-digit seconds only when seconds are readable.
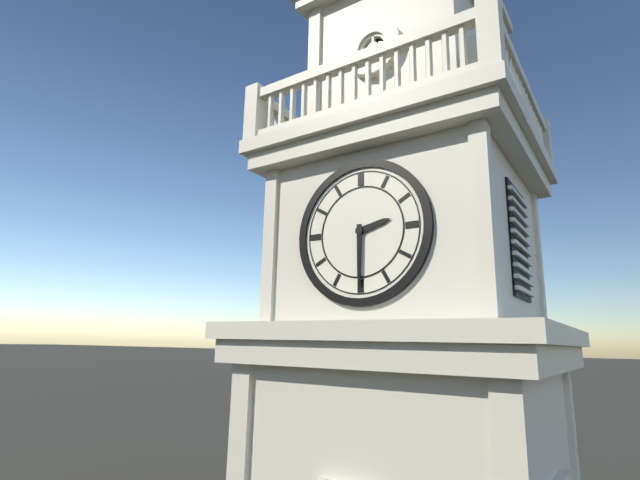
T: 2.30
